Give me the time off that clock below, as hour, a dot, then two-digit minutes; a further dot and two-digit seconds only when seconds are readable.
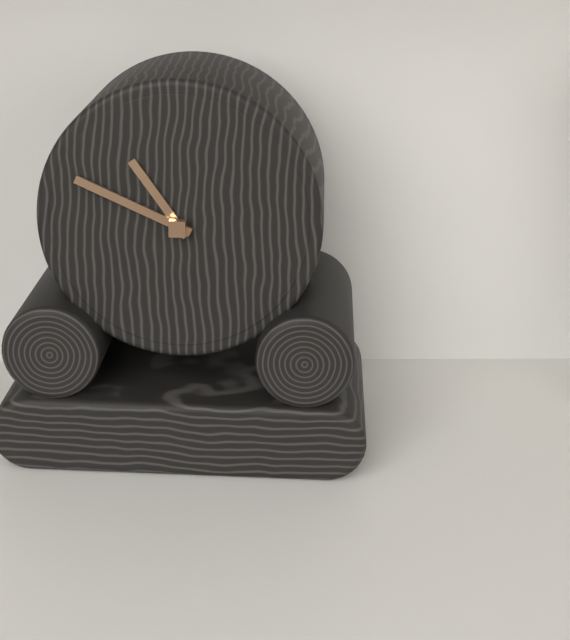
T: 10.49
